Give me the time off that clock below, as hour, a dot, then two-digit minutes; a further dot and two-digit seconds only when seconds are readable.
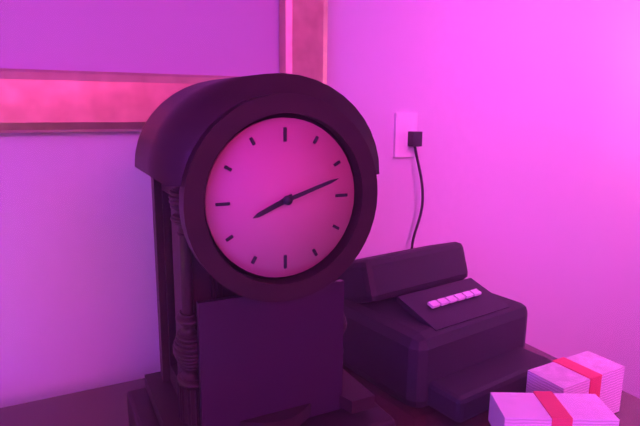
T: 8.12
